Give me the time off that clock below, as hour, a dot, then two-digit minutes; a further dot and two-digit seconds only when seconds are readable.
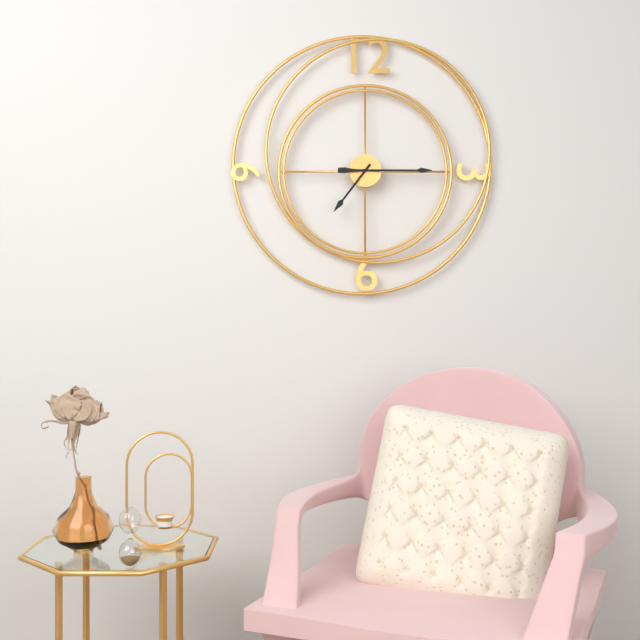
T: 7.15
